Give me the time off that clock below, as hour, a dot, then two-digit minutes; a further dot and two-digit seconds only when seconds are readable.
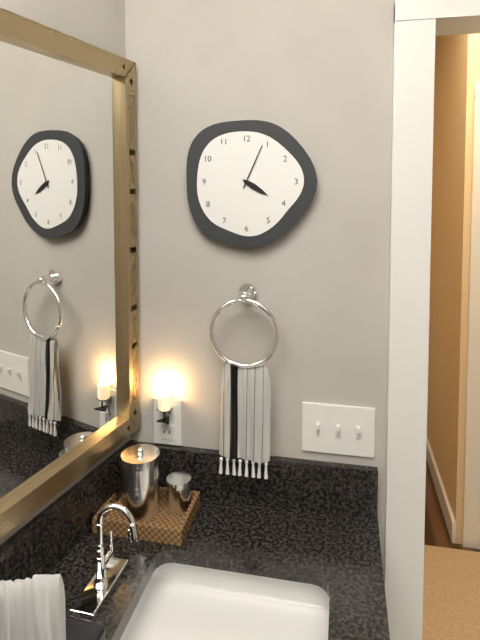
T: 4.04
